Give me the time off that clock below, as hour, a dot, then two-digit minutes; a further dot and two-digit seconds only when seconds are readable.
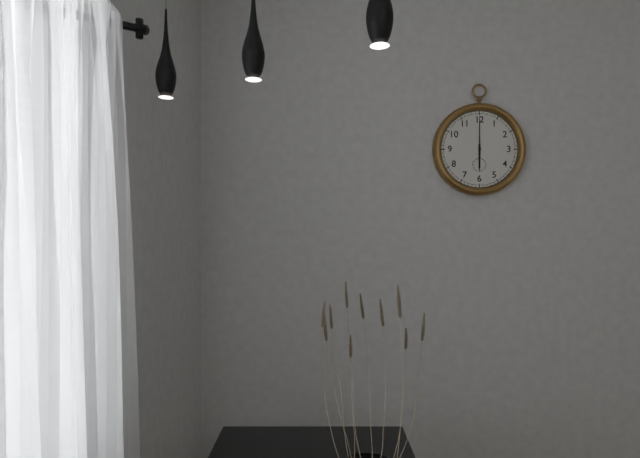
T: 6.00
